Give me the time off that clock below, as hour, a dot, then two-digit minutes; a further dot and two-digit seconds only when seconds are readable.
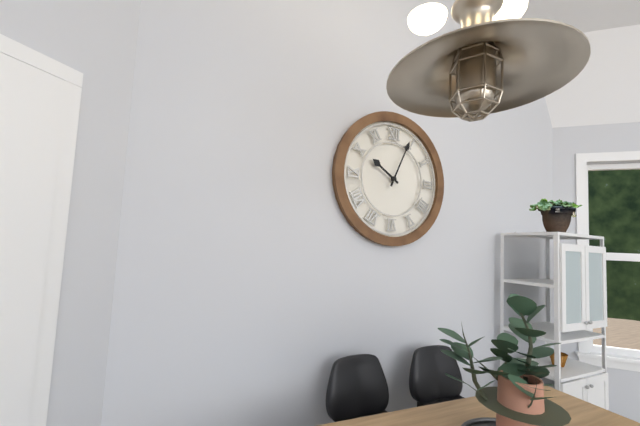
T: 10.04
